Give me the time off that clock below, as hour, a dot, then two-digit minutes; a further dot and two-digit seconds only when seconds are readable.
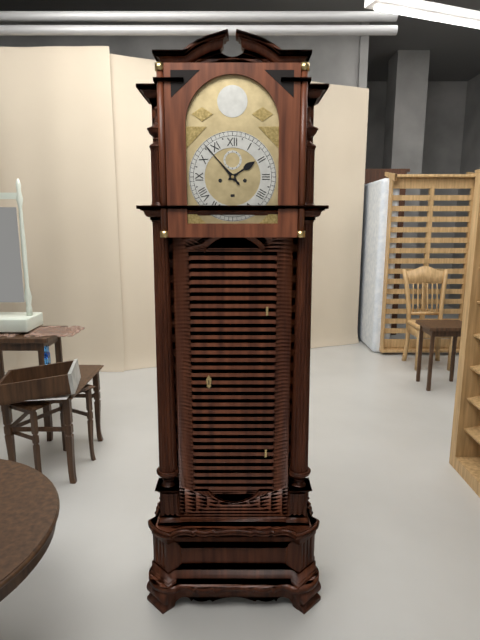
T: 1.53
